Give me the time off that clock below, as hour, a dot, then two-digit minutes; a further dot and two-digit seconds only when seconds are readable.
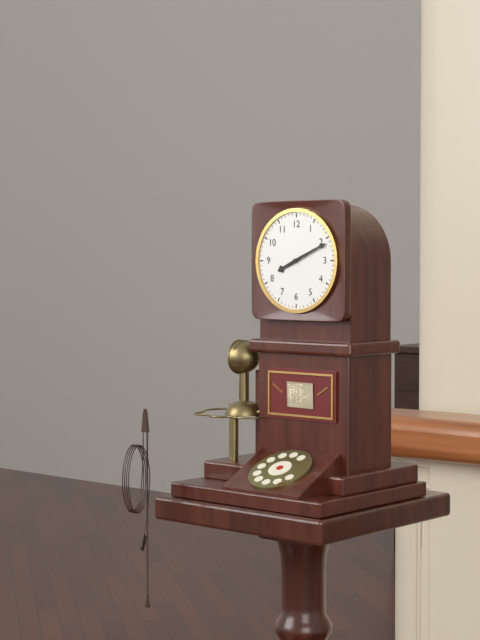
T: 8.11
